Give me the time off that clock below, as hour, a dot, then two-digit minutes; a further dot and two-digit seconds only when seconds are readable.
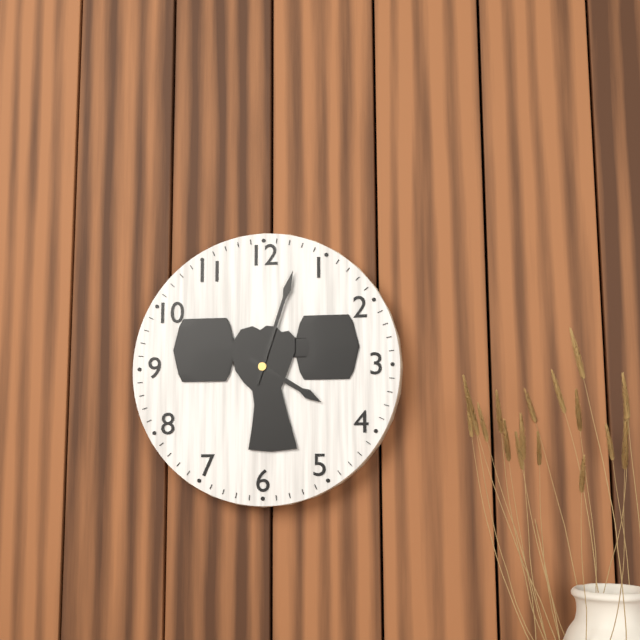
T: 4.03
